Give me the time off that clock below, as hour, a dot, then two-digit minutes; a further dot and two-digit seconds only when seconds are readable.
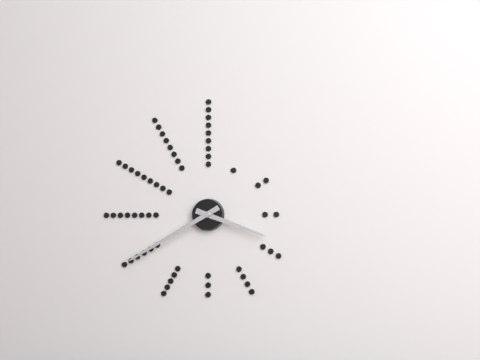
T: 3.40
